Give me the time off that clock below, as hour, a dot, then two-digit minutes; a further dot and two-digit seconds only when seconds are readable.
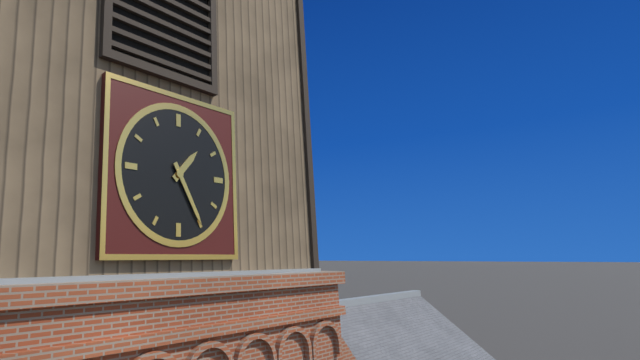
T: 1.25
